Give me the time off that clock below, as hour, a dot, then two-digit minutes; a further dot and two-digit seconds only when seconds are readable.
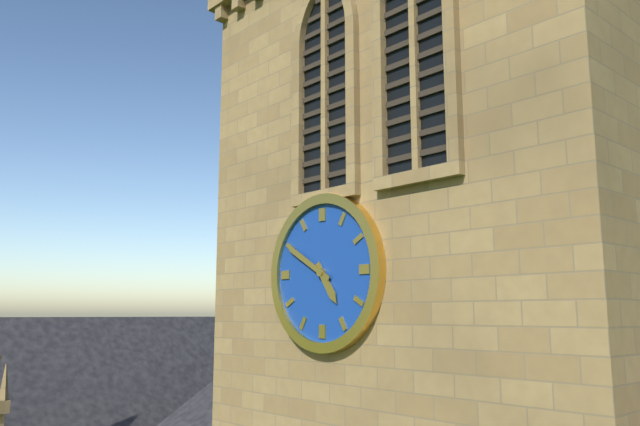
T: 4.50
